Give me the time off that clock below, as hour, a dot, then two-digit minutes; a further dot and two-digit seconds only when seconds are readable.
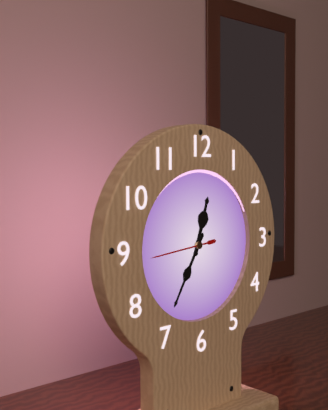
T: 12.35.44
